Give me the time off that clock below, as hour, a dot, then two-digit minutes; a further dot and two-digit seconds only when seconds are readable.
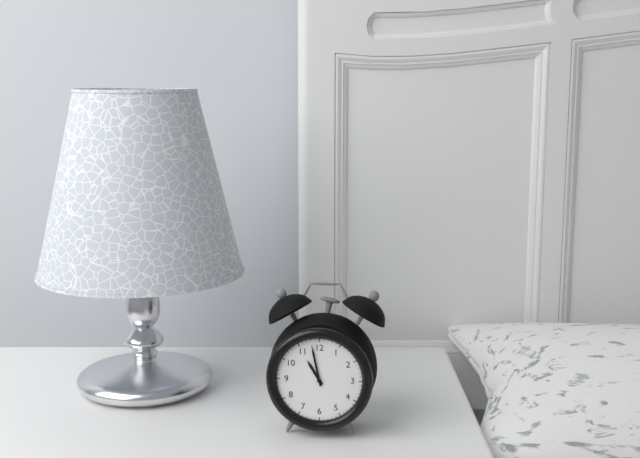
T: 10.58
